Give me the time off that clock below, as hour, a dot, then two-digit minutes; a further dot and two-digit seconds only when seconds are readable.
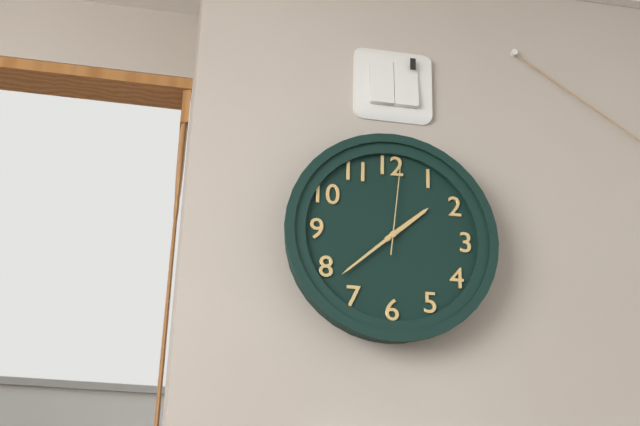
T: 1.38.01
